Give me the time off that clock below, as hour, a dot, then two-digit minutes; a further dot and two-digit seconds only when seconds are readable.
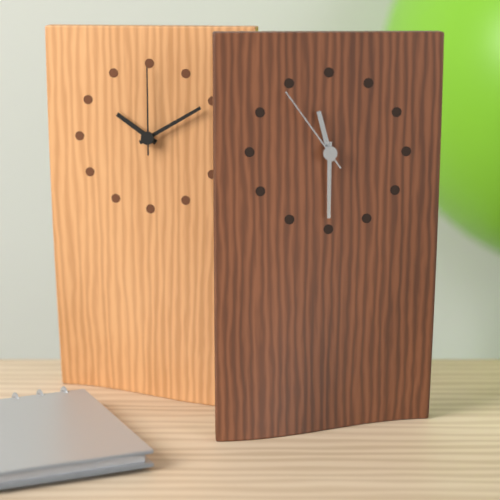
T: 11.30.54
